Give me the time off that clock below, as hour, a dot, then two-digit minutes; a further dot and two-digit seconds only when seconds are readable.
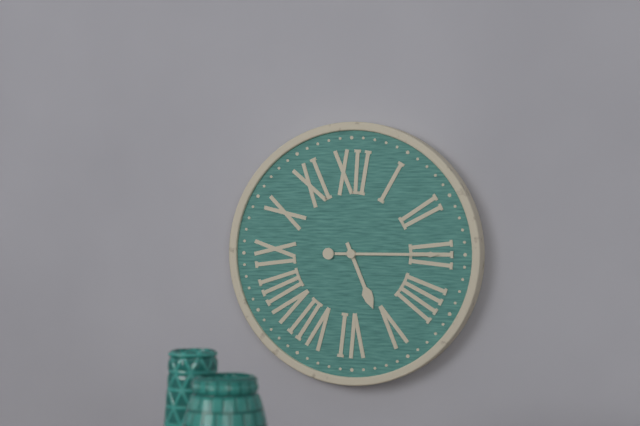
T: 5.15
